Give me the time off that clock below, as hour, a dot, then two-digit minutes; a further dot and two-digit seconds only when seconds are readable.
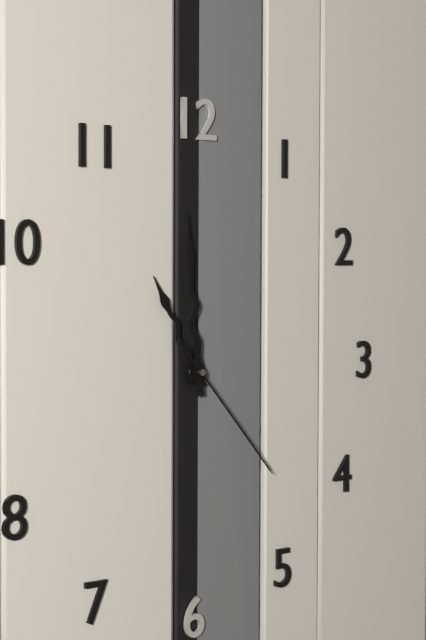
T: 10.59.23
